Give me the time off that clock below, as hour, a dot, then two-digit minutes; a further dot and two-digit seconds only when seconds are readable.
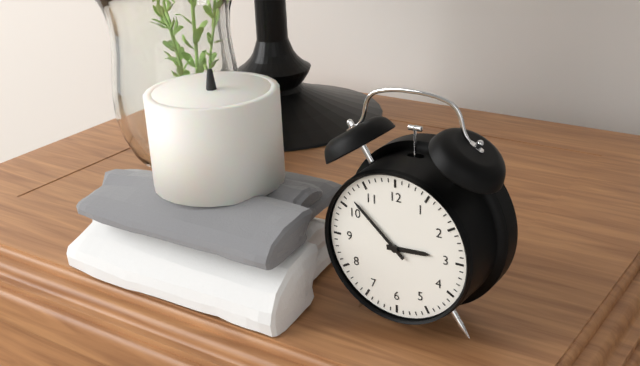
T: 2.52
